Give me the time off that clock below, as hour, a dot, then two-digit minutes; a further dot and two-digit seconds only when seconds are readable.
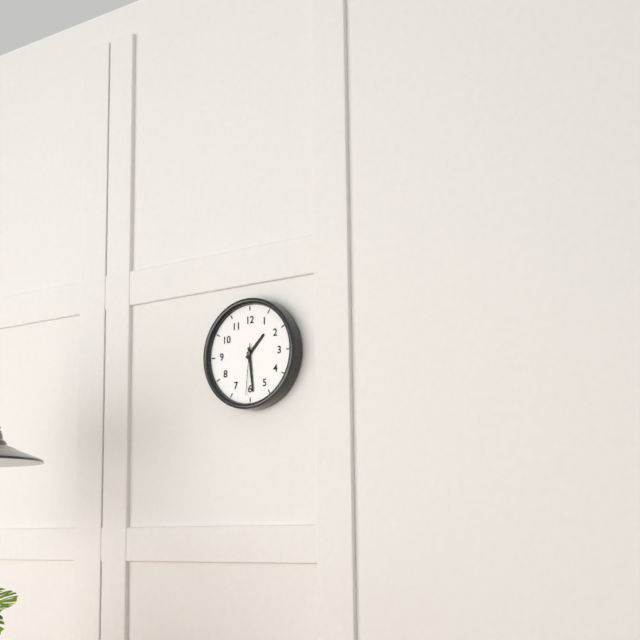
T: 1.29.31
